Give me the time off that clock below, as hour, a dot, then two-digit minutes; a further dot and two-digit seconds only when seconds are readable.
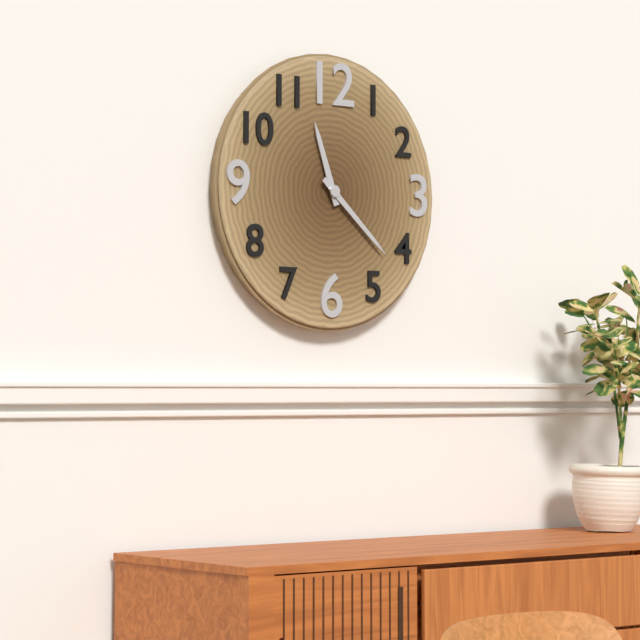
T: 11.22
